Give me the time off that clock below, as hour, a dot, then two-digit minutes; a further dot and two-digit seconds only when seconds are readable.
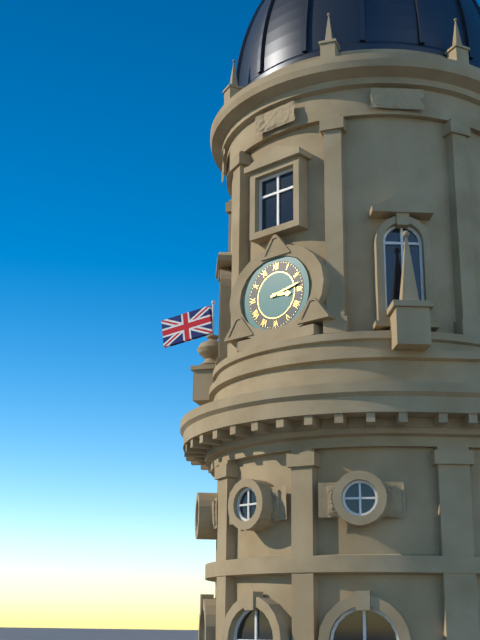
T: 3.13
